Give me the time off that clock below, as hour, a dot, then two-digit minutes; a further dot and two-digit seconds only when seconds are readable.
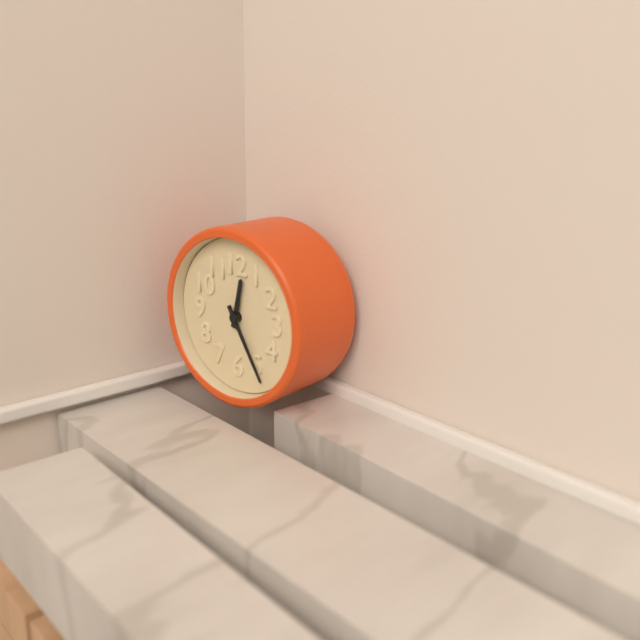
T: 12.25
